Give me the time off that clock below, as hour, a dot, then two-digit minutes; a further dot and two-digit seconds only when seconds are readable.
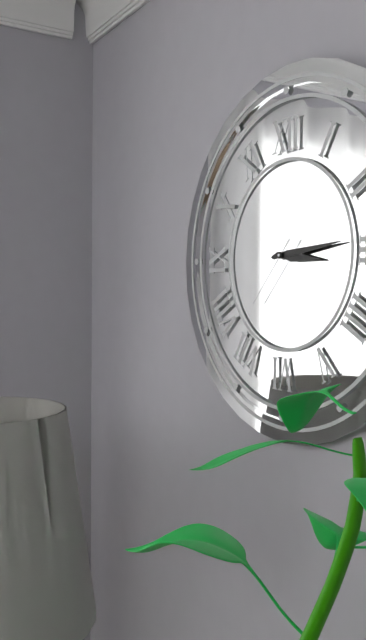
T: 3.14.37
